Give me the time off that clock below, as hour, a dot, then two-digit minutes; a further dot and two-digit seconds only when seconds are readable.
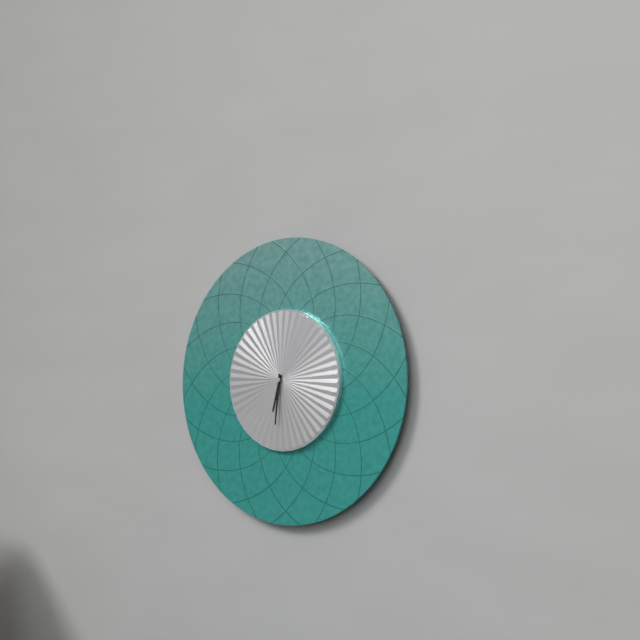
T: 6.31
